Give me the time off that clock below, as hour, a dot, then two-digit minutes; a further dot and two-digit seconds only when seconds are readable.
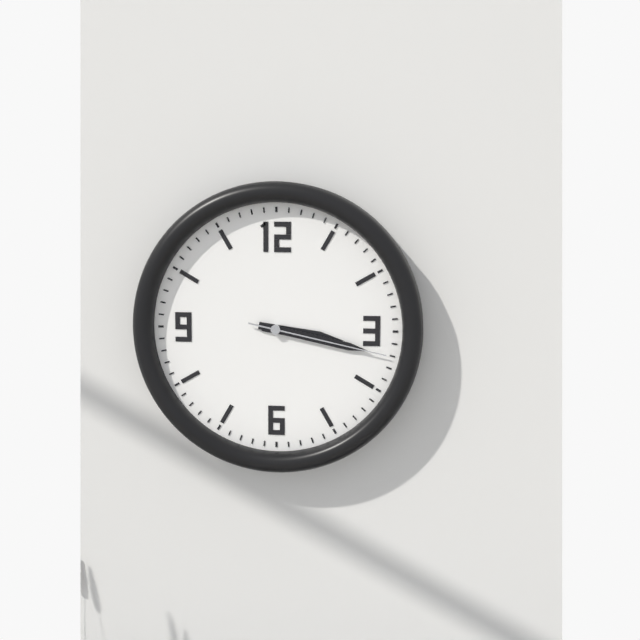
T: 3.17.17
